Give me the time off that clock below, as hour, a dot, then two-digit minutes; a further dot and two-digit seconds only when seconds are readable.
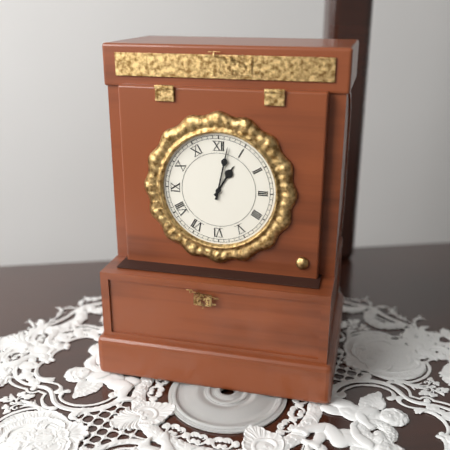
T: 1.02
